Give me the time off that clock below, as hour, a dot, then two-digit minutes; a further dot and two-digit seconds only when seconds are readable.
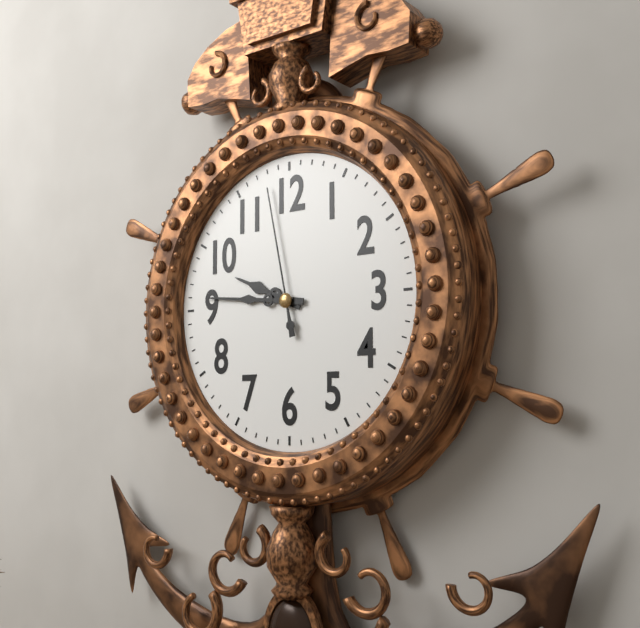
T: 9.46.58
